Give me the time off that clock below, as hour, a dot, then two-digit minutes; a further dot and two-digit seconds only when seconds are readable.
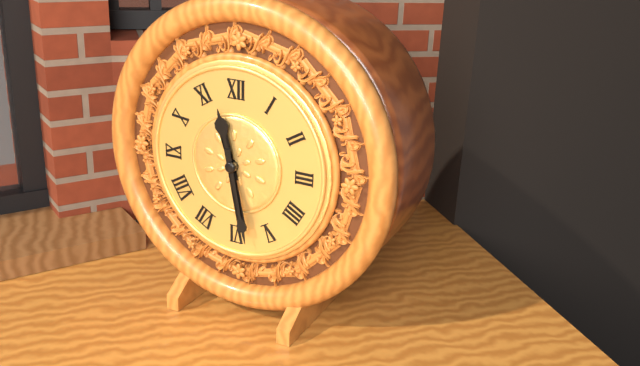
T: 11.28
